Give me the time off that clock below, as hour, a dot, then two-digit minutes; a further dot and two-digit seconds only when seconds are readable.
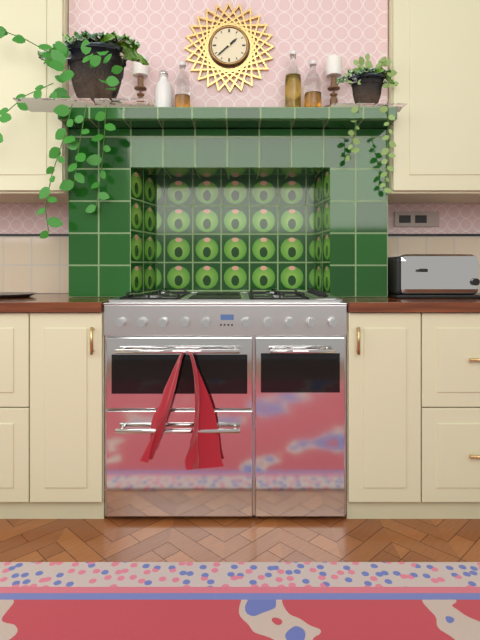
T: 1.38
